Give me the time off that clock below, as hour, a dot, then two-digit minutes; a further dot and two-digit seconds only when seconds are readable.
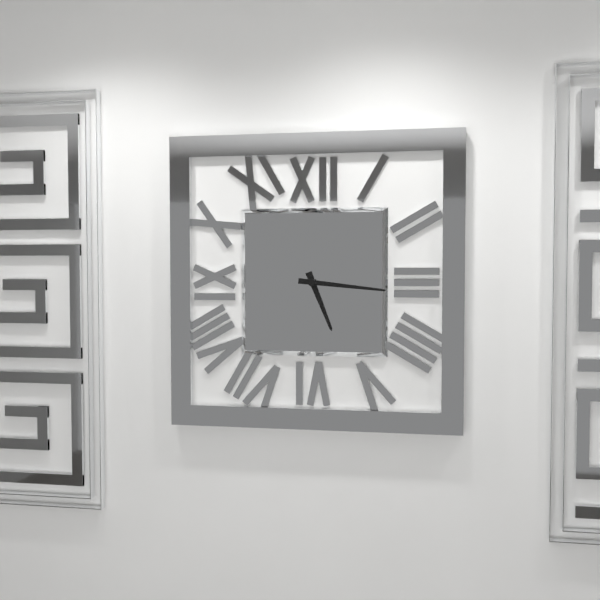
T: 5.16
